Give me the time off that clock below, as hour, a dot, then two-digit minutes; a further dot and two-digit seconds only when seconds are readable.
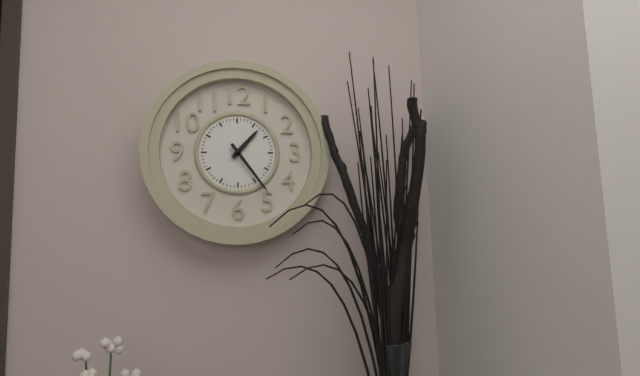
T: 1.24
